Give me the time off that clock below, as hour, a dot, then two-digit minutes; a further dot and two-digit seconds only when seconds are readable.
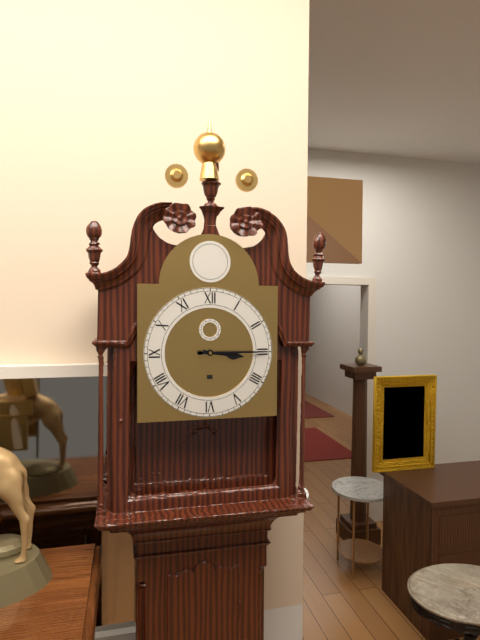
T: 3.15
